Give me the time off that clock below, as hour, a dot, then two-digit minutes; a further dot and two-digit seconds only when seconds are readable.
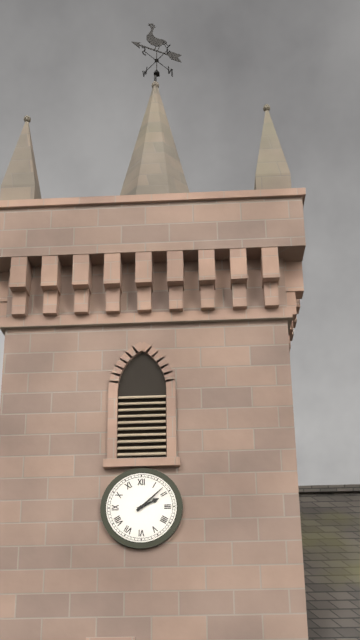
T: 2.08
